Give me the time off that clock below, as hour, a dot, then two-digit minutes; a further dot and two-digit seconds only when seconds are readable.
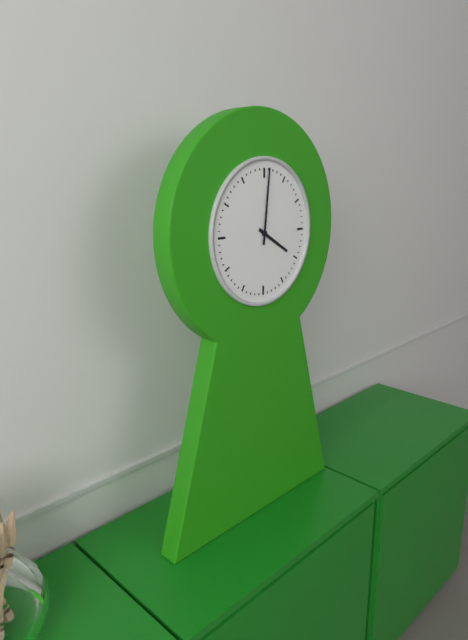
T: 4.01
